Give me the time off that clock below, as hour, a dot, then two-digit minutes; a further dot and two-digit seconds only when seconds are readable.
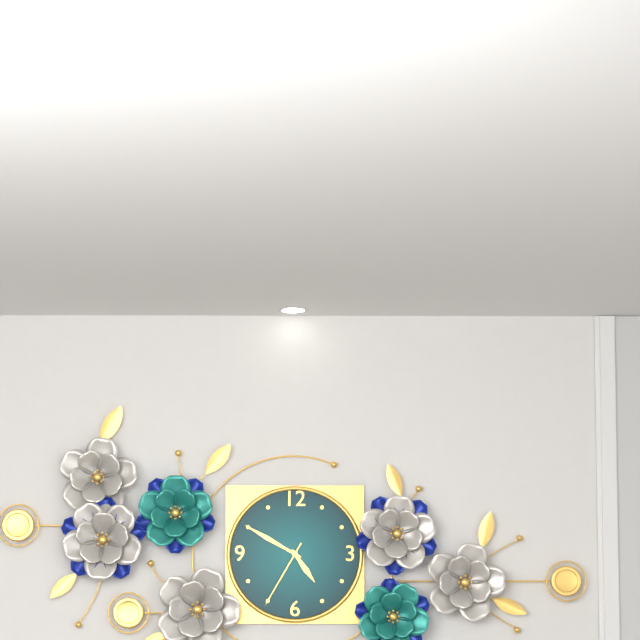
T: 4.50.35
